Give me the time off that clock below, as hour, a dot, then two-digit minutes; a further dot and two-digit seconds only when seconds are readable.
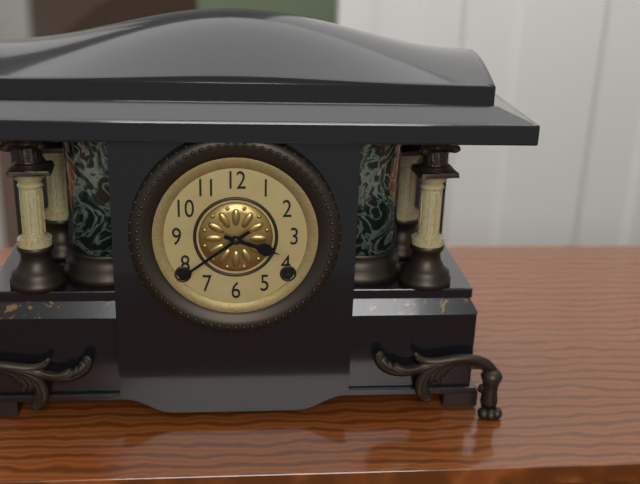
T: 3.39
